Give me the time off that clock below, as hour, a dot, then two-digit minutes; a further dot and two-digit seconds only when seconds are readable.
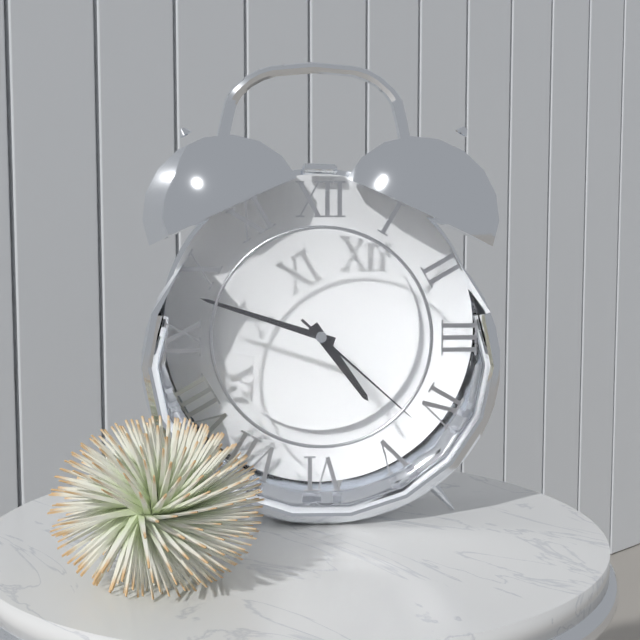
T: 4.48.22
